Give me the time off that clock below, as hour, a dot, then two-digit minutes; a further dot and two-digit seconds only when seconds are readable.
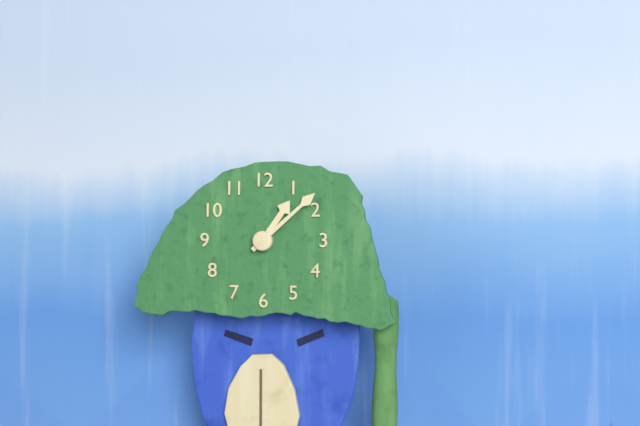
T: 1.08
